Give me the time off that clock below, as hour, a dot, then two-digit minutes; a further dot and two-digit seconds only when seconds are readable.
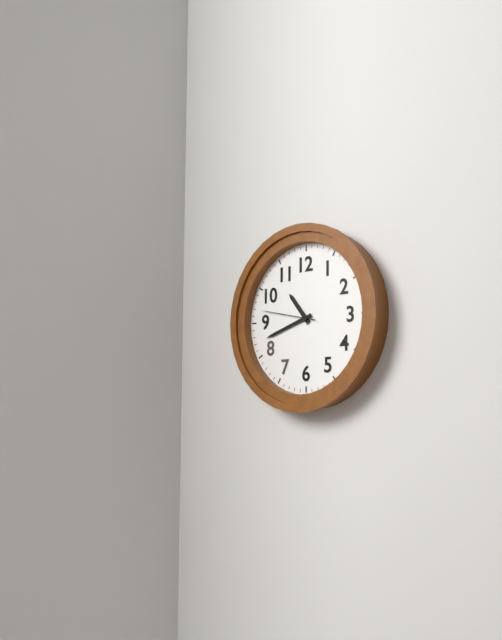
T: 10.42.47
